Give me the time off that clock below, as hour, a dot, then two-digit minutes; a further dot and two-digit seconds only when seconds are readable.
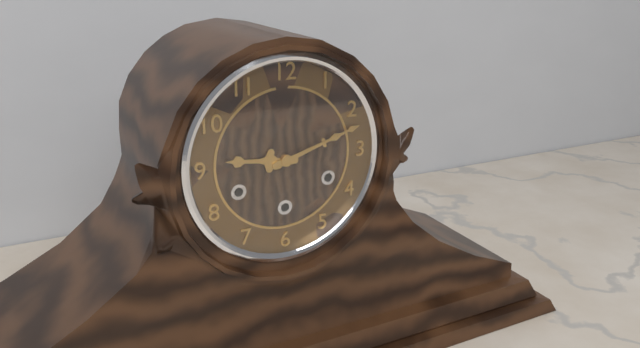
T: 9.12
